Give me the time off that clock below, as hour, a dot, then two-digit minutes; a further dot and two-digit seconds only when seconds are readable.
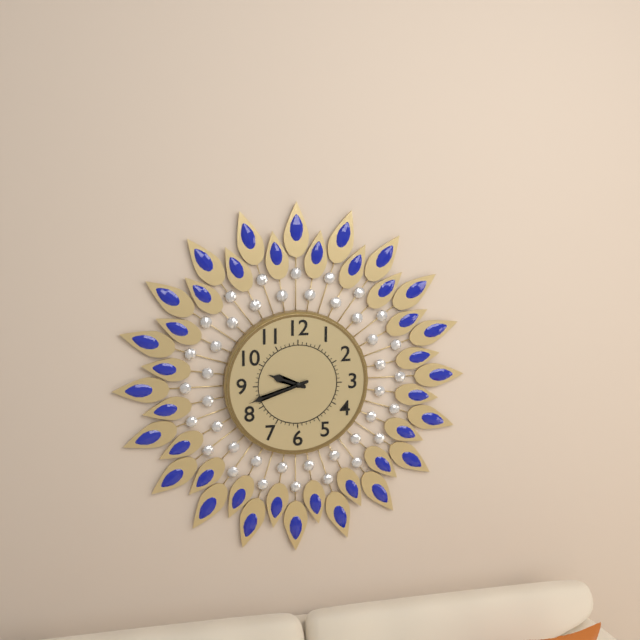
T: 9.42
